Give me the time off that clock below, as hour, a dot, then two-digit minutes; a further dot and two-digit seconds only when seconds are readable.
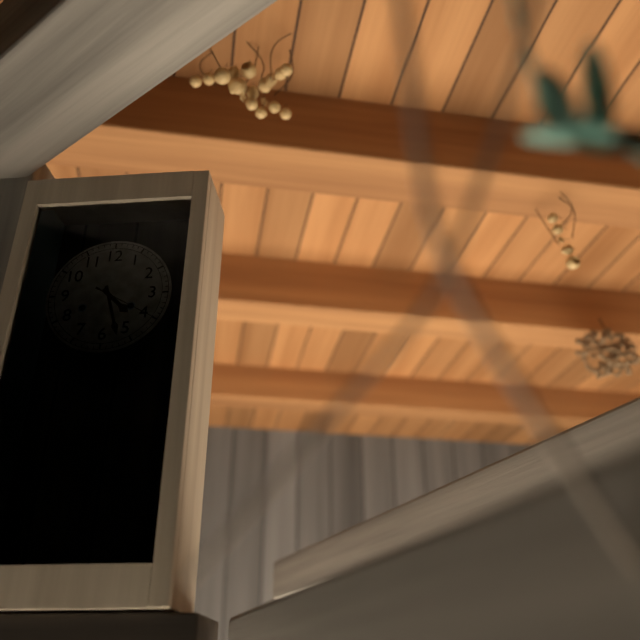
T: 4.27.20
